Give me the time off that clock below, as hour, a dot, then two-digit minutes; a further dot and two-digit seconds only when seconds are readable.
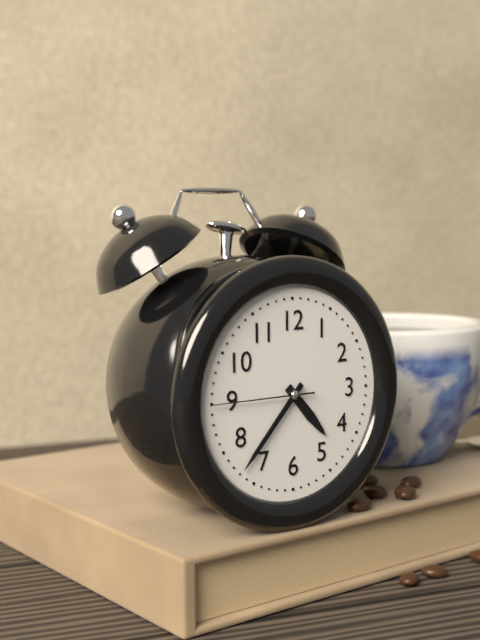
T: 4.37.45
